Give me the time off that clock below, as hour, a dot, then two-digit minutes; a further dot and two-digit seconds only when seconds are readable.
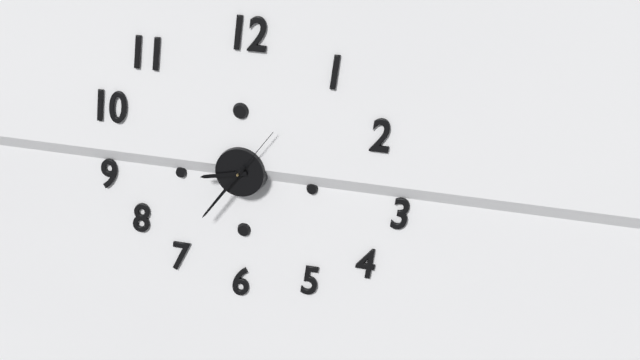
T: 8.36.06
